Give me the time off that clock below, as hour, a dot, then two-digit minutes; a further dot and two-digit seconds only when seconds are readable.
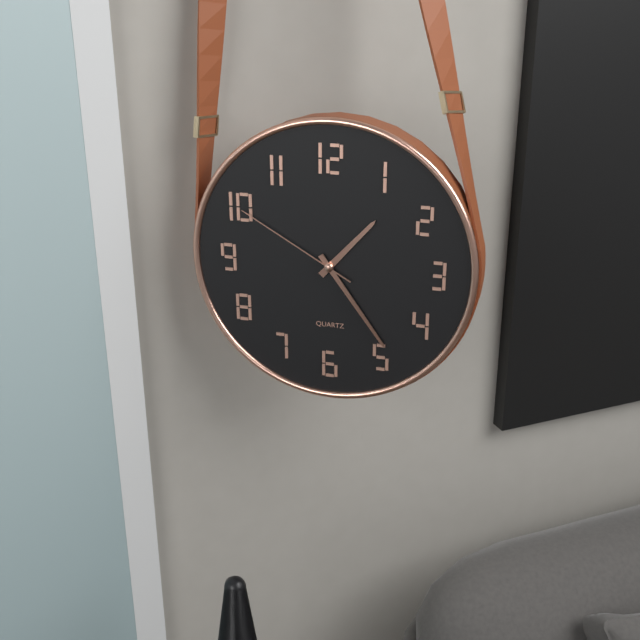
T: 1.24.50
